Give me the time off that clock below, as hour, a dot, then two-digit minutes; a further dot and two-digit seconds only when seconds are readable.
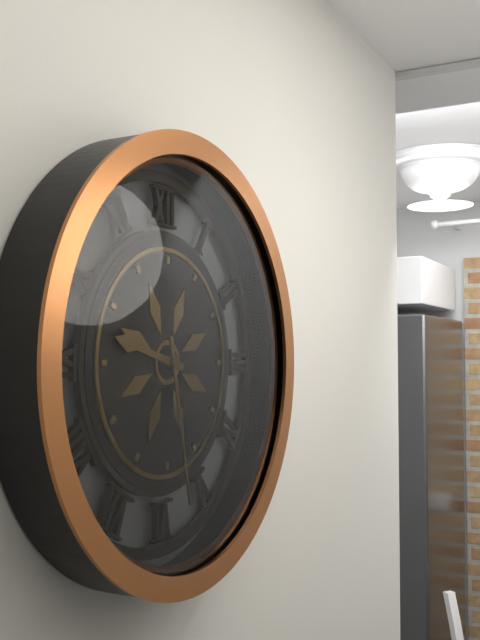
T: 9.28
